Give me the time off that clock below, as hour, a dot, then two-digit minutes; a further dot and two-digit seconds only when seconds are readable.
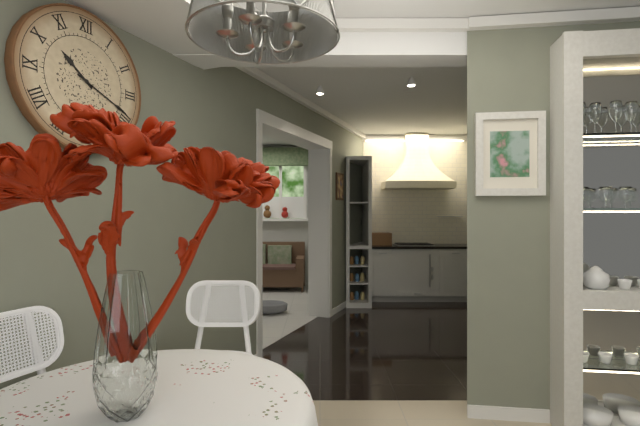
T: 10.19
